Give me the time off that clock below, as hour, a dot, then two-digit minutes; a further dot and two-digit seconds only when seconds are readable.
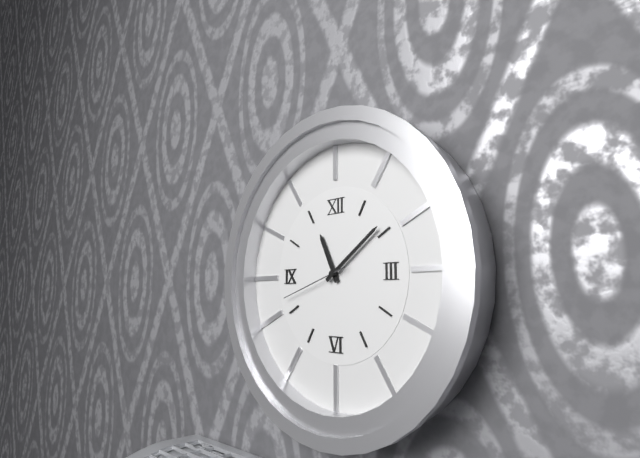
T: 11.09.42
